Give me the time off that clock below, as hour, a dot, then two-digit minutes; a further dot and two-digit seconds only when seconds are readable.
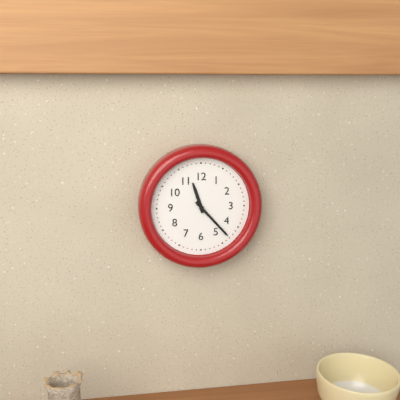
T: 11.23
